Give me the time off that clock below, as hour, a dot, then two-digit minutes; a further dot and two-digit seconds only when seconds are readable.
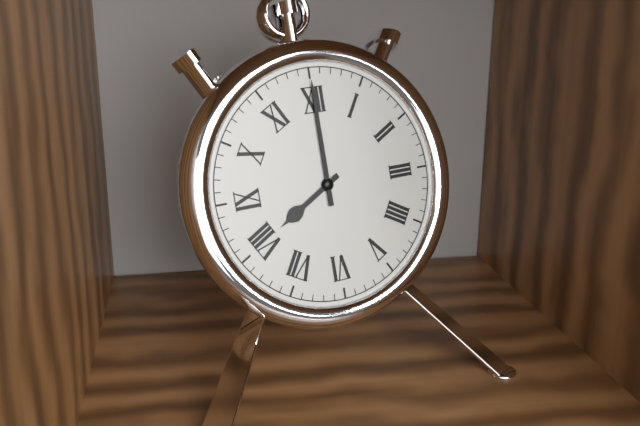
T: 8.00
